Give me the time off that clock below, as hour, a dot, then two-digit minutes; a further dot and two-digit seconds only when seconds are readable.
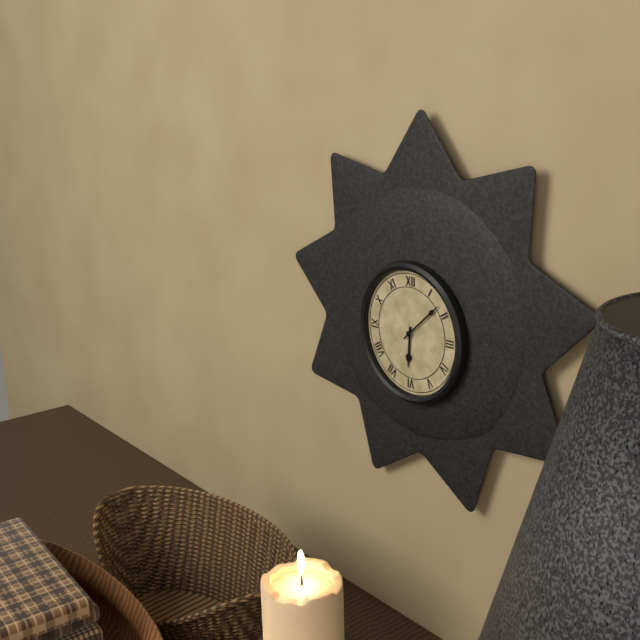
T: 6.08
